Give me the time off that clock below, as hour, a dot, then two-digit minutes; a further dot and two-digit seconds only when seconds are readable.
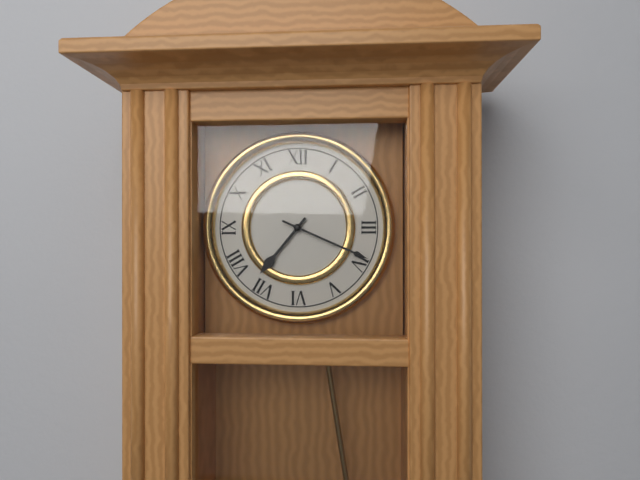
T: 7.19
